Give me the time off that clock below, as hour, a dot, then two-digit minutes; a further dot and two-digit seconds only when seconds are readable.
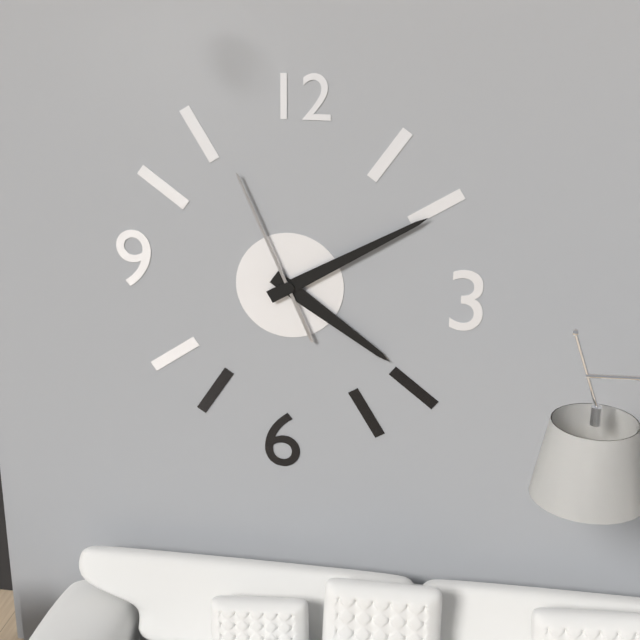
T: 4.10.56
